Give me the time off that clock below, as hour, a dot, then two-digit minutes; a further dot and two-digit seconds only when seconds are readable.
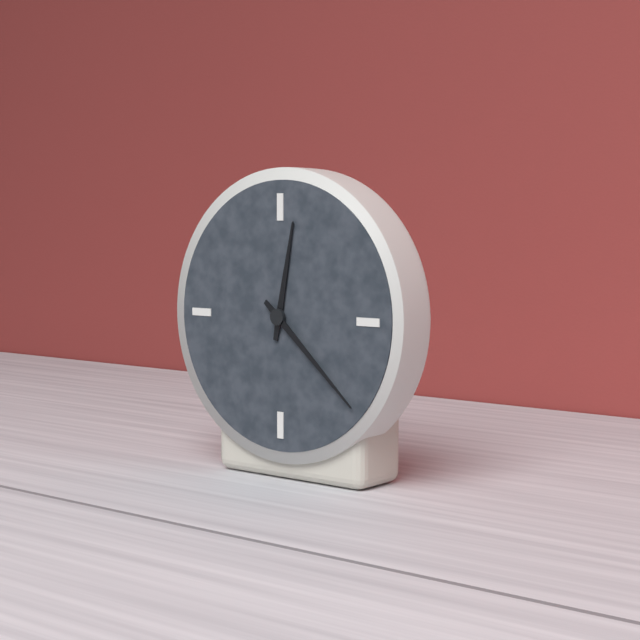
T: 12.22
